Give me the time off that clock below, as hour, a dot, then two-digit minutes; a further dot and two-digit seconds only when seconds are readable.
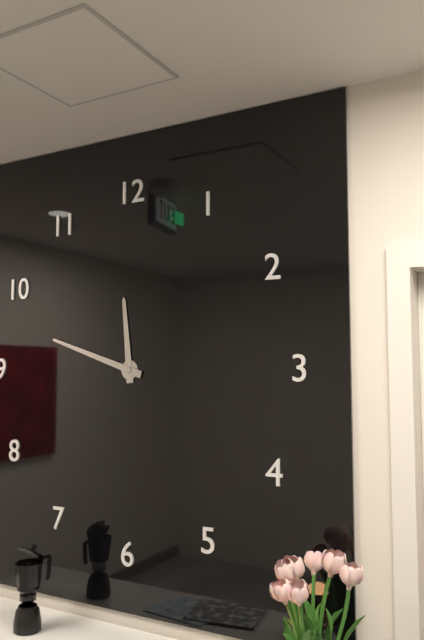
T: 11.48
